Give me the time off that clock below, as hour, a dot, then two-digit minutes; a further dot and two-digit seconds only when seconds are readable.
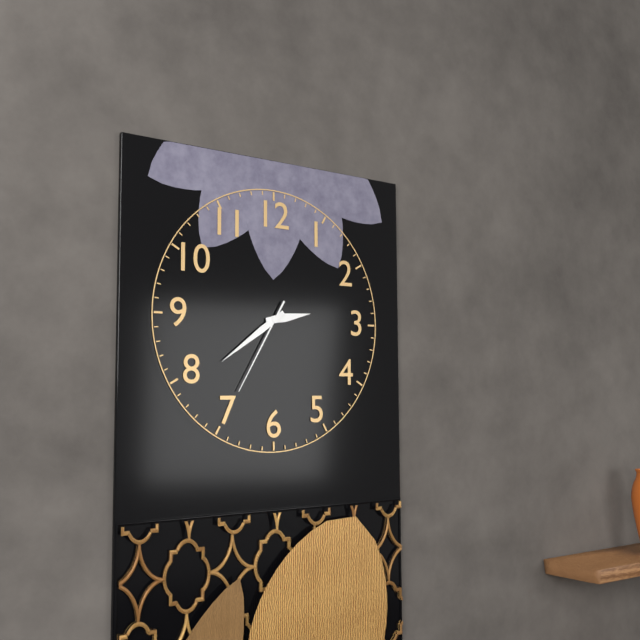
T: 2.39.35
